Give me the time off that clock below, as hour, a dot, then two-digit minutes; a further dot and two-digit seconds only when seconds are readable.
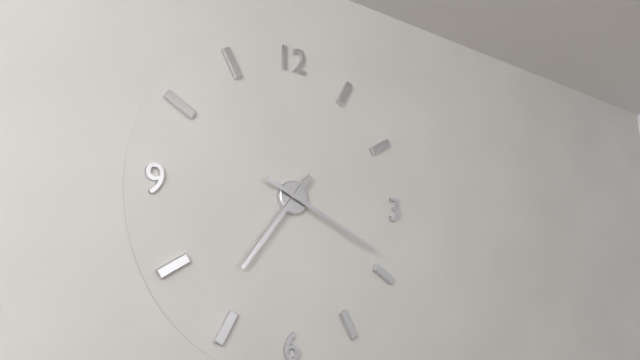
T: 7.19
